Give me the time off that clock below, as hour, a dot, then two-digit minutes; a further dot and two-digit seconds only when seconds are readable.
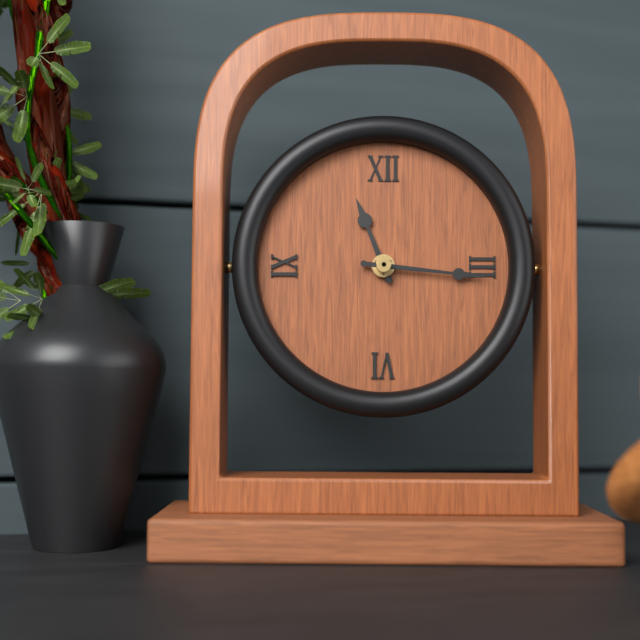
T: 11.16
